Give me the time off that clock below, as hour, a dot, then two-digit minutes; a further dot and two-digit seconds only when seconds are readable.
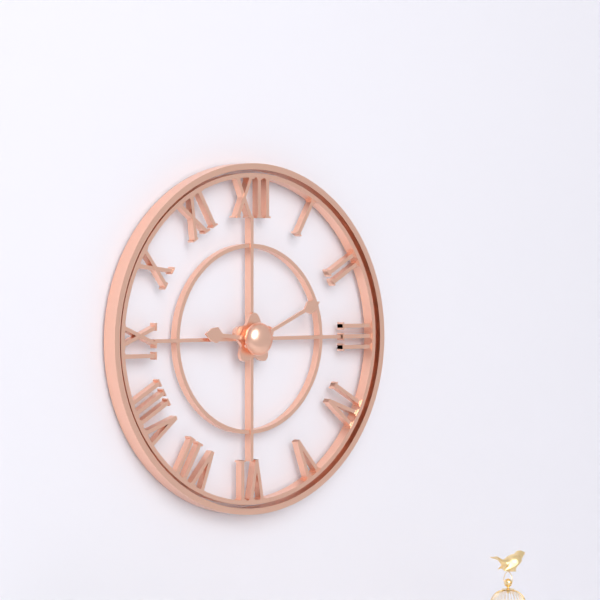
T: 9.11
